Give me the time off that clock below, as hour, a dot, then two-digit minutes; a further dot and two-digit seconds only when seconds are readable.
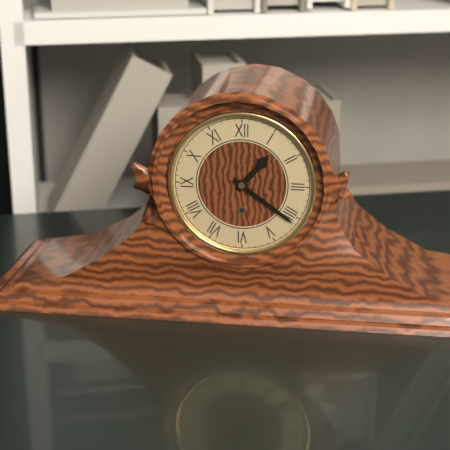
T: 1.21
